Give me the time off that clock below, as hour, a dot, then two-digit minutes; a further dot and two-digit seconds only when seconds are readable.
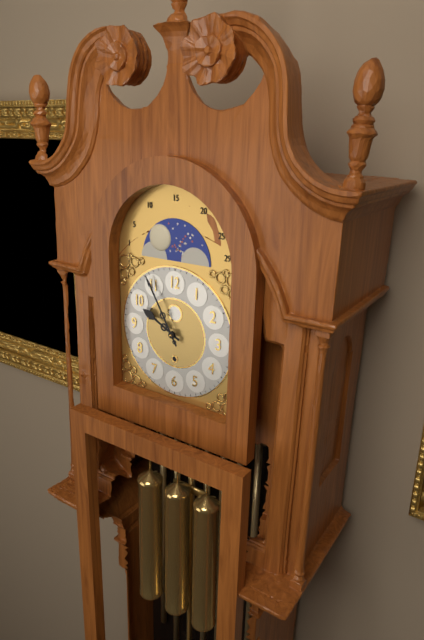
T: 9.55
